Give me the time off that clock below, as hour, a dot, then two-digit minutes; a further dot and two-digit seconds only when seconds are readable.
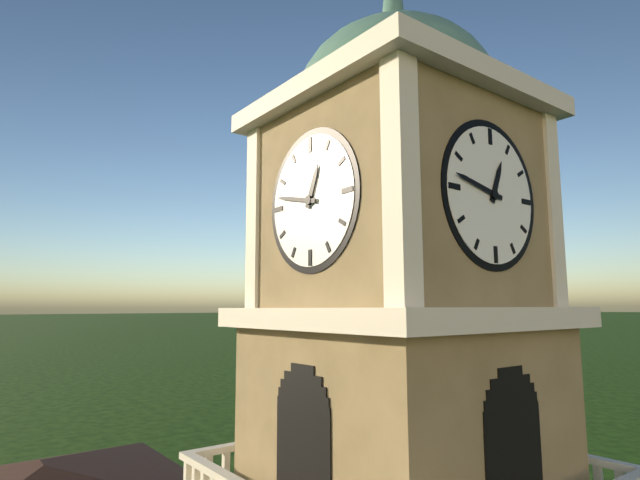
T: 12.47
